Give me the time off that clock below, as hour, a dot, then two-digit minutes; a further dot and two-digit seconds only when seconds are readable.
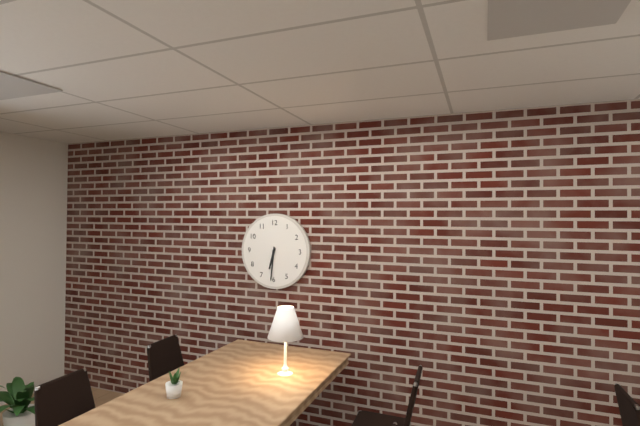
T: 6.31
